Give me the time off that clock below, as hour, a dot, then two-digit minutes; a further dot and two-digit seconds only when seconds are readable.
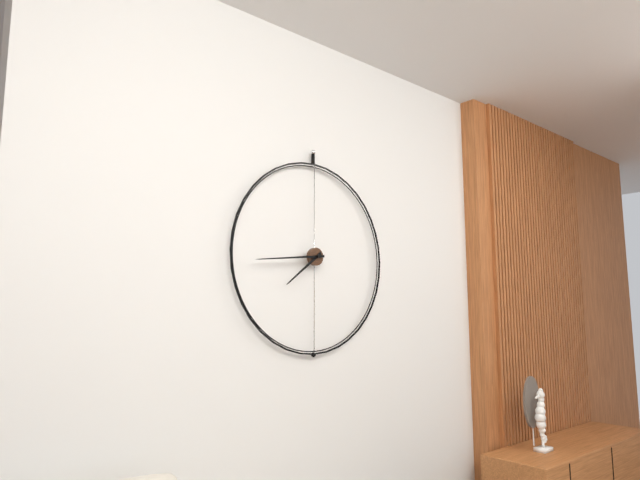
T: 7.44
